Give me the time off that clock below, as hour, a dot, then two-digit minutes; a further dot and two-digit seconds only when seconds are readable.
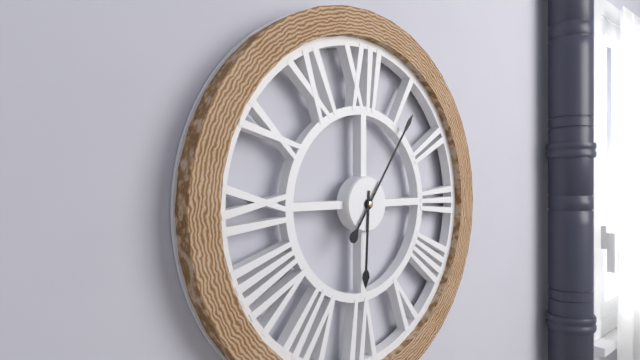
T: 6.06
